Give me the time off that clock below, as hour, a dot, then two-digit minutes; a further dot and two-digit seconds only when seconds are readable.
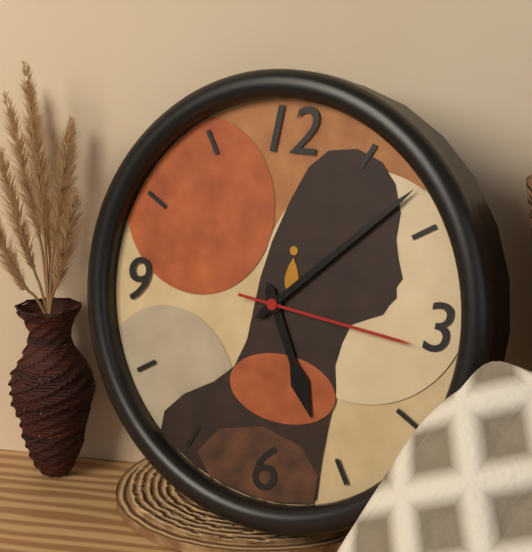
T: 5.08.16
